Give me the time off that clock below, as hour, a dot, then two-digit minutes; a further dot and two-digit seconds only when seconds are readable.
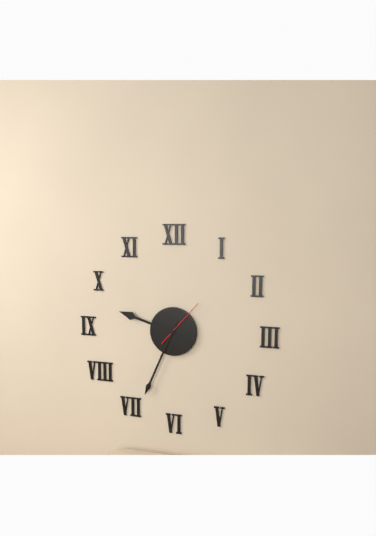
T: 9.34
